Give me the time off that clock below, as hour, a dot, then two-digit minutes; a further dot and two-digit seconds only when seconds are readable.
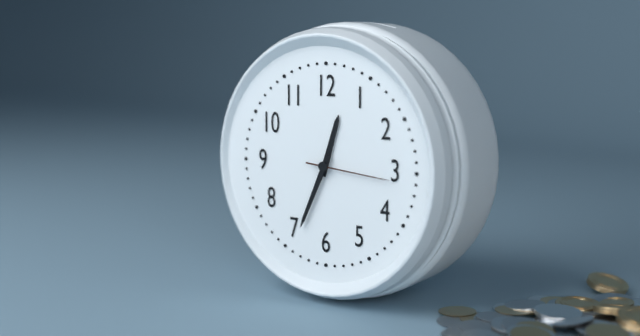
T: 12.34.16
